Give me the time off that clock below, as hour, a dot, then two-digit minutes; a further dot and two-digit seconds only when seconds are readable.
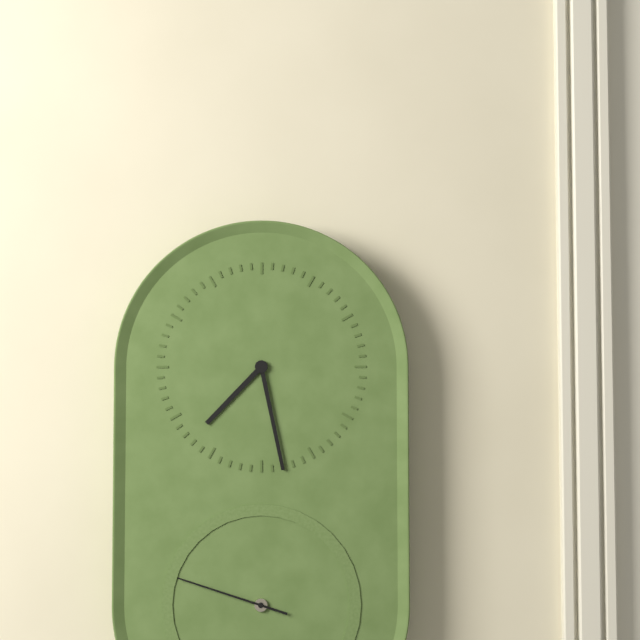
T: 7.28.48
